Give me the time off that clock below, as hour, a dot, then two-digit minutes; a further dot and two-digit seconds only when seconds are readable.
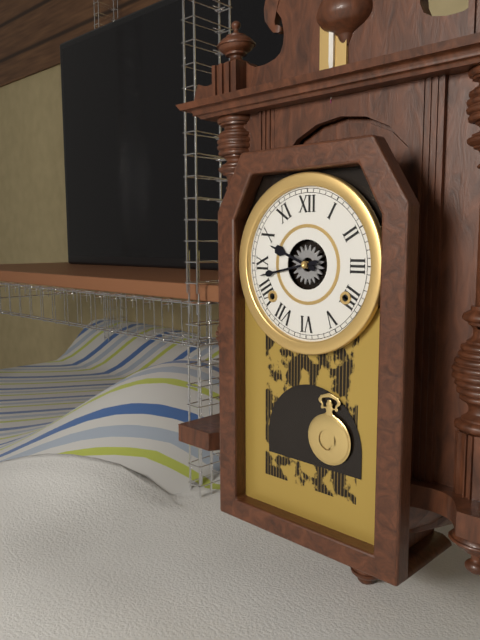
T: 9.43
